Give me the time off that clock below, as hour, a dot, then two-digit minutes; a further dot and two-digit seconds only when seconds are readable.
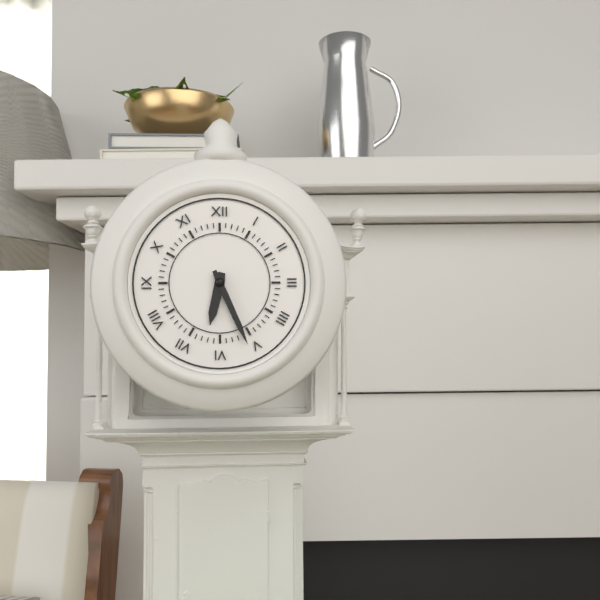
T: 6.26
